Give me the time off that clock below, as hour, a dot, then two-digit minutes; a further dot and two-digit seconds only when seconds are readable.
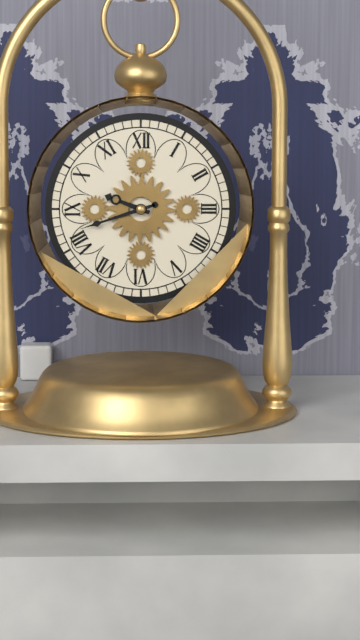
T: 9.42
